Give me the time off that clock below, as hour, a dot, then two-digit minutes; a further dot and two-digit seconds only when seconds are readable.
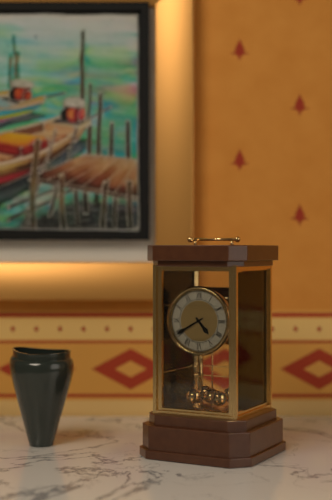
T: 4.40
